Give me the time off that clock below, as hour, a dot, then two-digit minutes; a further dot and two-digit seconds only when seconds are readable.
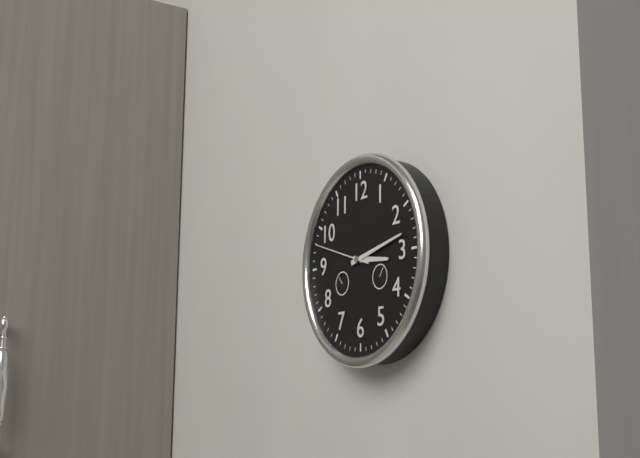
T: 3.13.48
